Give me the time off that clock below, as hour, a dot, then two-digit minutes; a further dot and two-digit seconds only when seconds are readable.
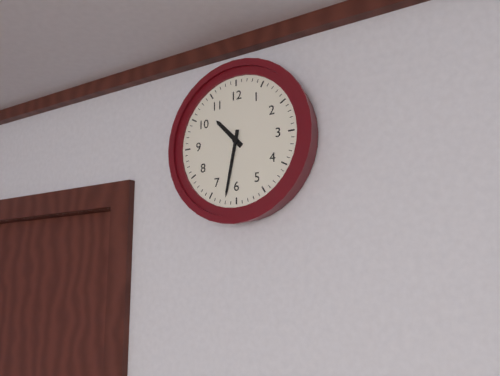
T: 10.32
